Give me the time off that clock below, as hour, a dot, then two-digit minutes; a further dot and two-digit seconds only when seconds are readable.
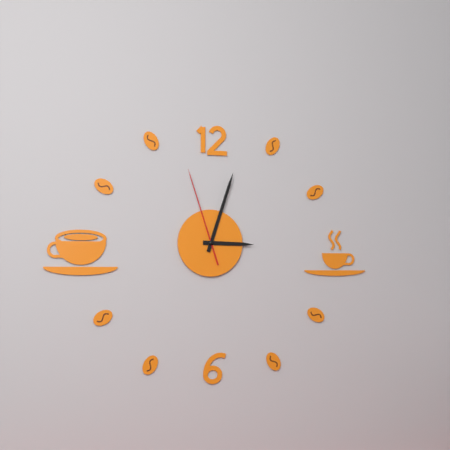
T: 3.03.57
